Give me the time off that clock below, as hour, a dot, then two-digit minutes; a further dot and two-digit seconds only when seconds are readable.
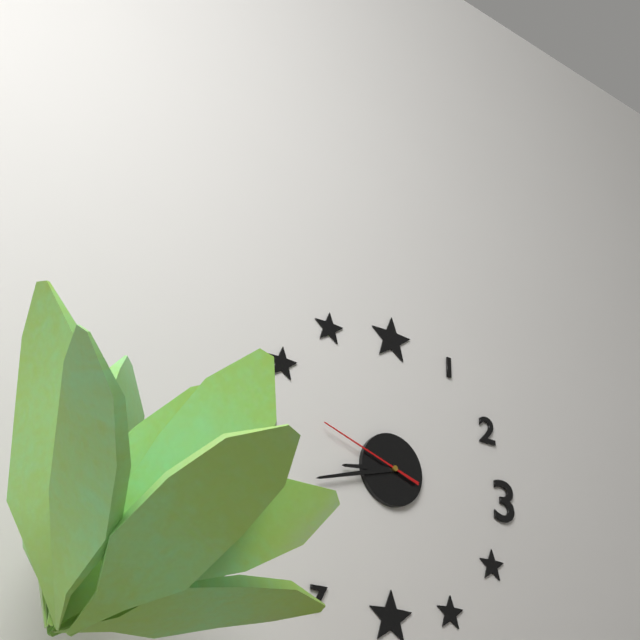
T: 8.42.48
